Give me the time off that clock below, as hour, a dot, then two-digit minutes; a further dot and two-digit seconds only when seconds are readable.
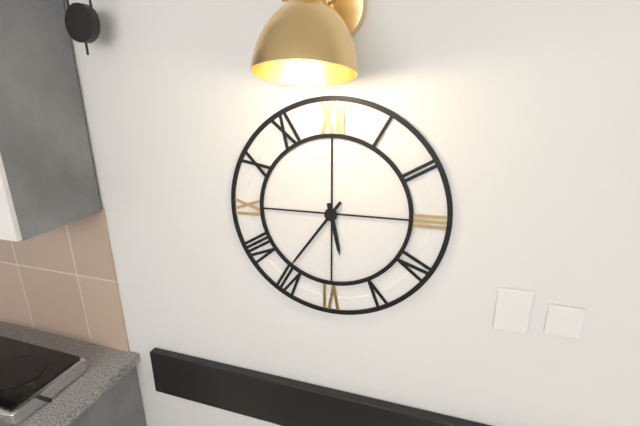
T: 5.36
